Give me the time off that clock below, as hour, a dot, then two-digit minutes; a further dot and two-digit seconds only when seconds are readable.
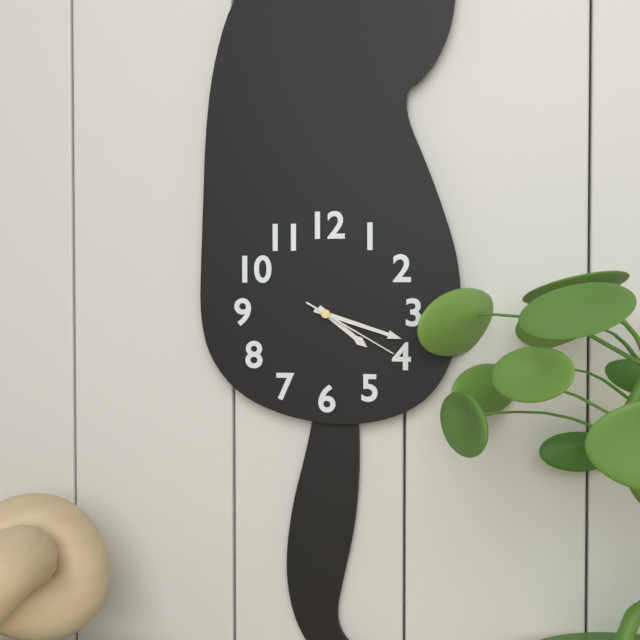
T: 4.18.20
